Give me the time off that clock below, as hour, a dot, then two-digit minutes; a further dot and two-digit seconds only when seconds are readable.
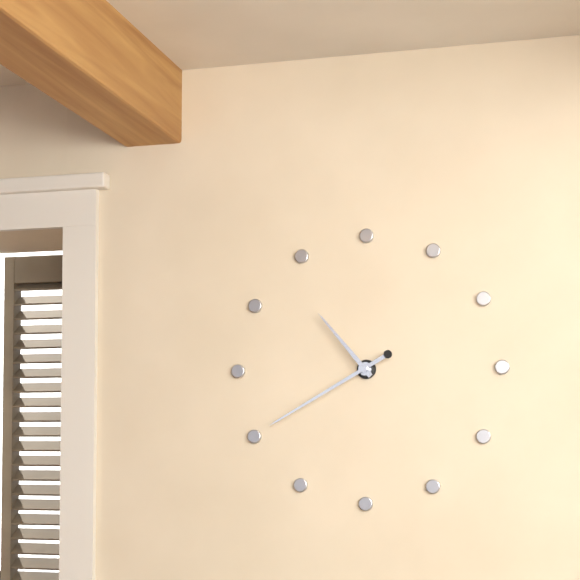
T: 10.40
